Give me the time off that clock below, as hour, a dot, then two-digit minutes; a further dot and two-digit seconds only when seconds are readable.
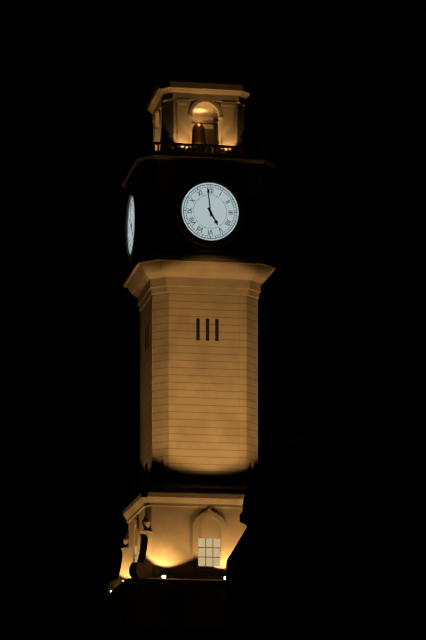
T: 4.59
